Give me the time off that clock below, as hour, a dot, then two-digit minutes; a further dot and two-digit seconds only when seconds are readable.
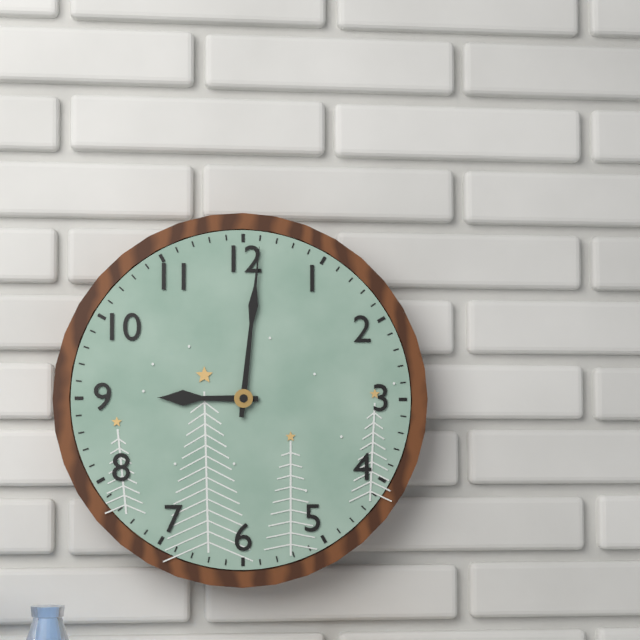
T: 9.01
